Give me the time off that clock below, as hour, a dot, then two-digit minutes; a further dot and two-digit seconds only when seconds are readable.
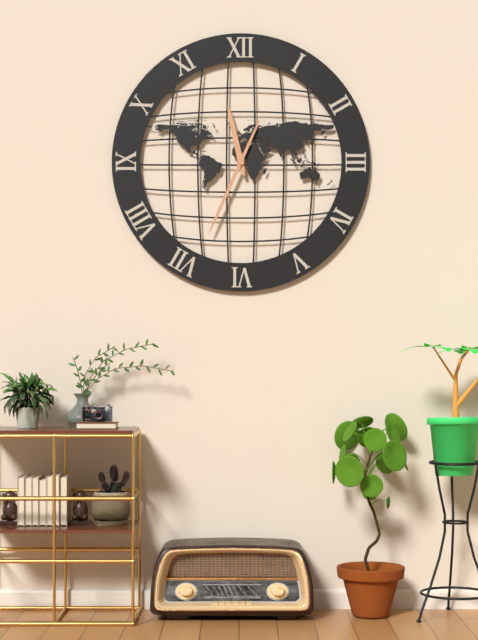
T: 11.34
